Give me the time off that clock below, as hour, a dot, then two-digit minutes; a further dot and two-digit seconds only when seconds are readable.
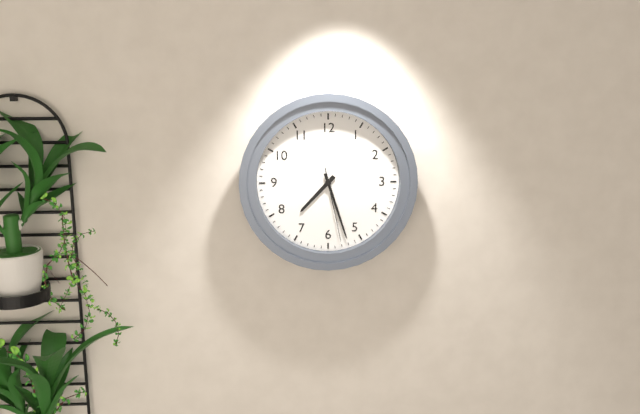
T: 7.27.28
